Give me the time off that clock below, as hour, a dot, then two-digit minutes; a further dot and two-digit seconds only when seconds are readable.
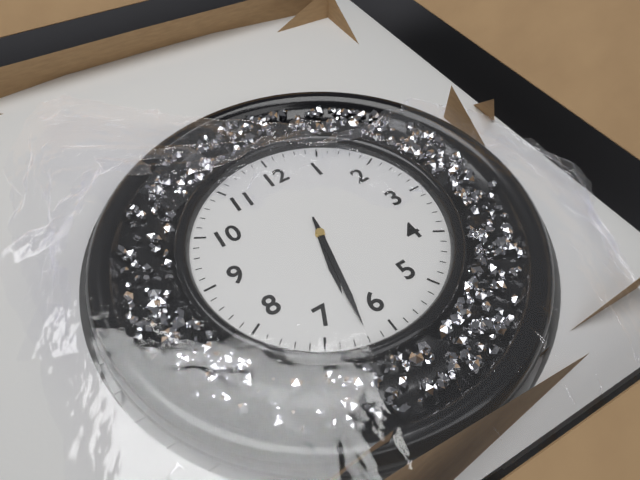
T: 6.32
